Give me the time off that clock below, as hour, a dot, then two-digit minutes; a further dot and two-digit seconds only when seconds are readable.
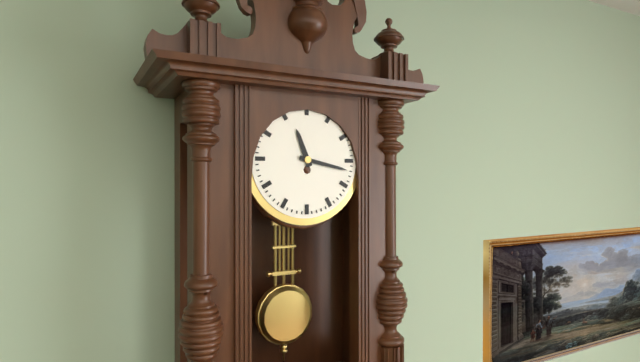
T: 11.17
